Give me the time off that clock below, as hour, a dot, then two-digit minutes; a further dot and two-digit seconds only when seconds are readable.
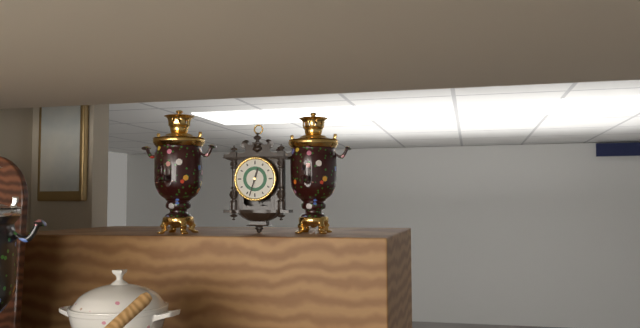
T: 12.33
